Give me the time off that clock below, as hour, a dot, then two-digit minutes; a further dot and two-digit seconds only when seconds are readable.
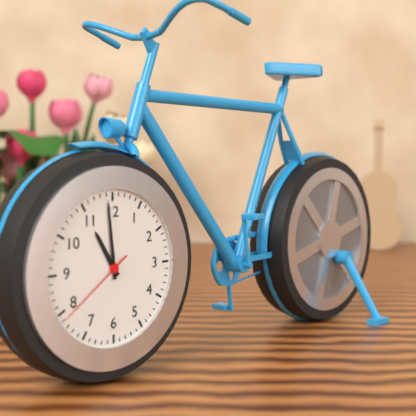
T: 10.59.39
